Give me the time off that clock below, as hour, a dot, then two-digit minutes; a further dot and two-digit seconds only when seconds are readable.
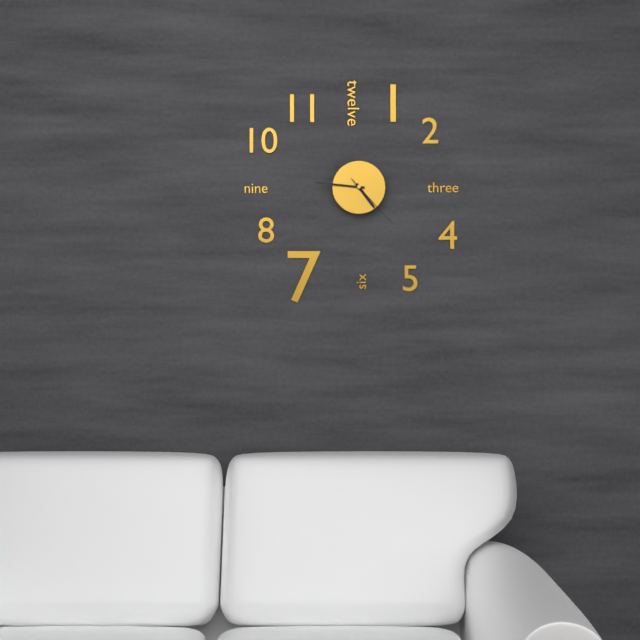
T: 4.46.23
